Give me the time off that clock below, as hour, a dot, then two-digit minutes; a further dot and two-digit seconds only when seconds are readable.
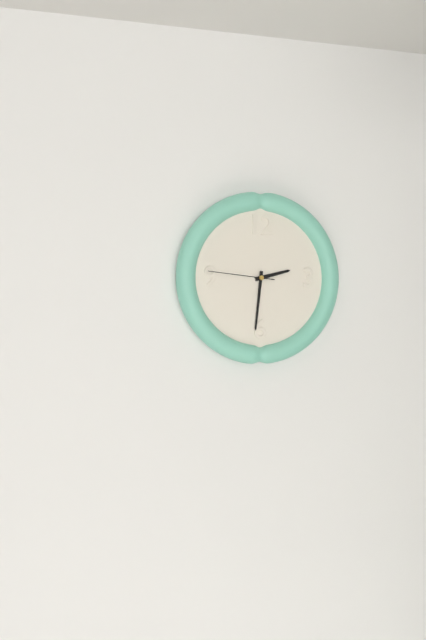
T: 2.31.46
